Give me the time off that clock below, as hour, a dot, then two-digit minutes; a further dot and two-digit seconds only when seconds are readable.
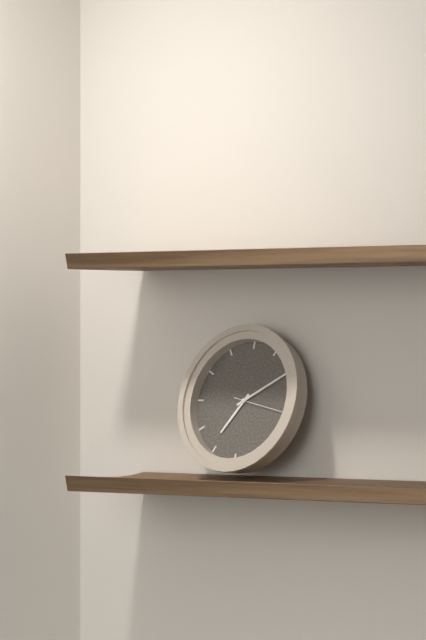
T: 7.10
